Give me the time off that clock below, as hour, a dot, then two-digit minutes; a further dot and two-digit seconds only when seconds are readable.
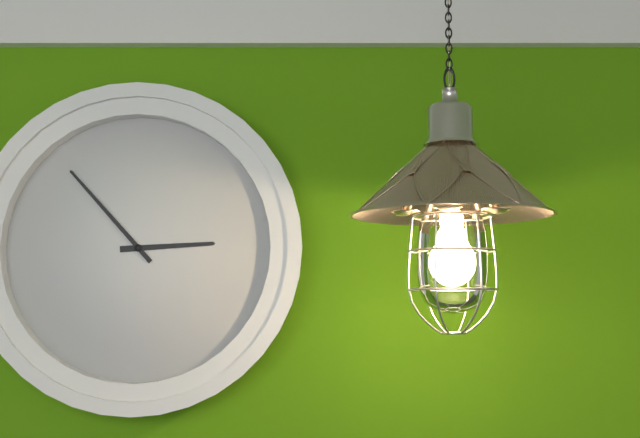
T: 2.53
